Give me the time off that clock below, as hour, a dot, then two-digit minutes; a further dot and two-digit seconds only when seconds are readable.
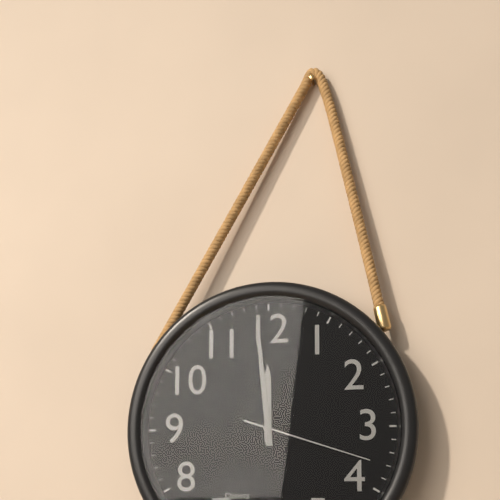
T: 11.59.18
